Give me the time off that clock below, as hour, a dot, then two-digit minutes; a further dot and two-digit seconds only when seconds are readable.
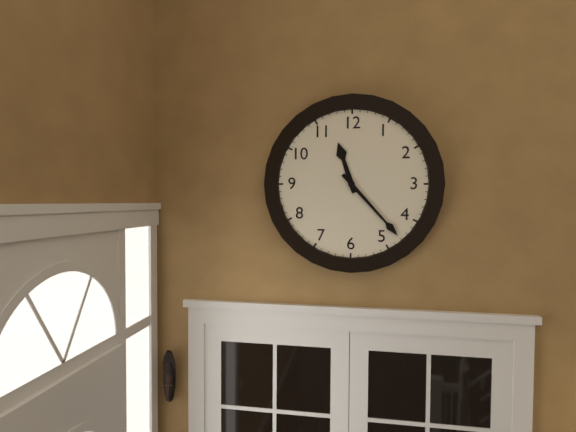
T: 11.23
